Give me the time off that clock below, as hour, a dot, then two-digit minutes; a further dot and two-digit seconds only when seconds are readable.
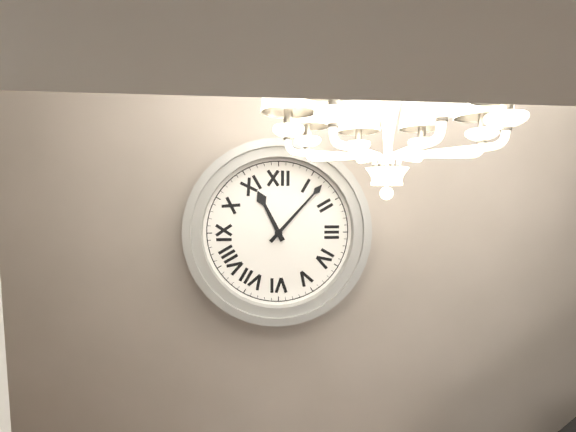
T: 11.07
